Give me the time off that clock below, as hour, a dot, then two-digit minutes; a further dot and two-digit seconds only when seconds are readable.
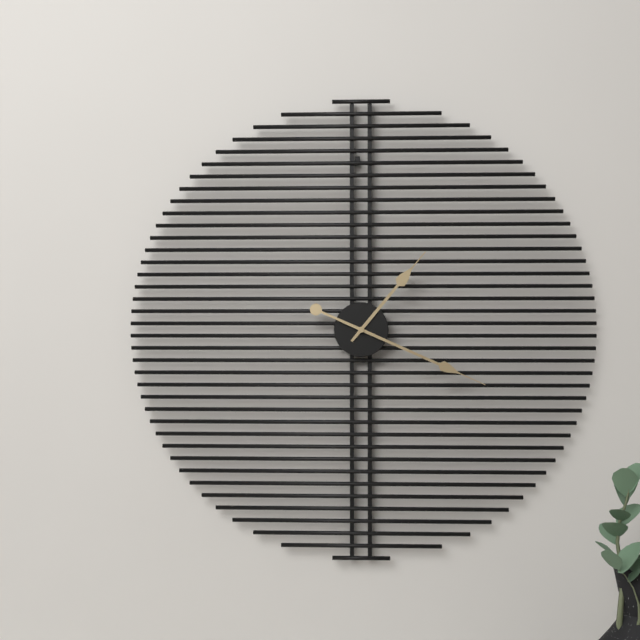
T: 1.19
